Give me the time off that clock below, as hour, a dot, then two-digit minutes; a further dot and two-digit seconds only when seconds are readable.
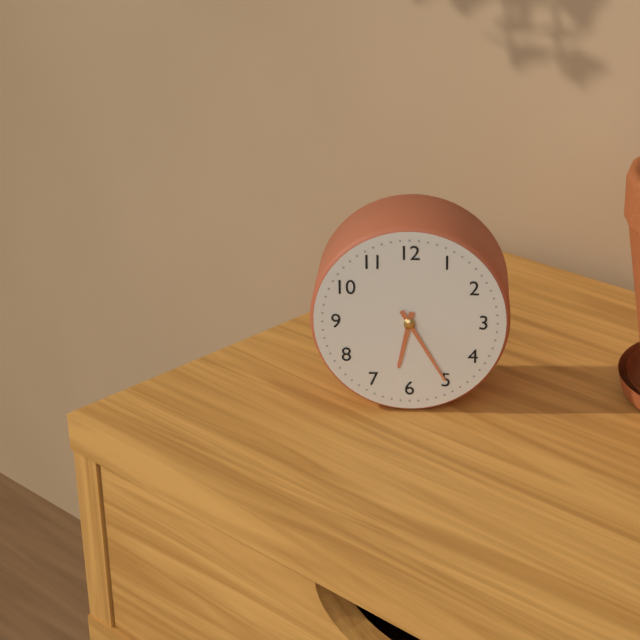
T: 6.25
